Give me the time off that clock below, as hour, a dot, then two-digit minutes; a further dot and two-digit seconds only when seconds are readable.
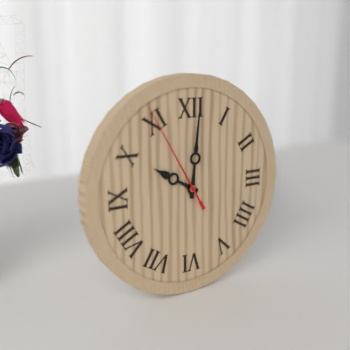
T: 10.01.55
